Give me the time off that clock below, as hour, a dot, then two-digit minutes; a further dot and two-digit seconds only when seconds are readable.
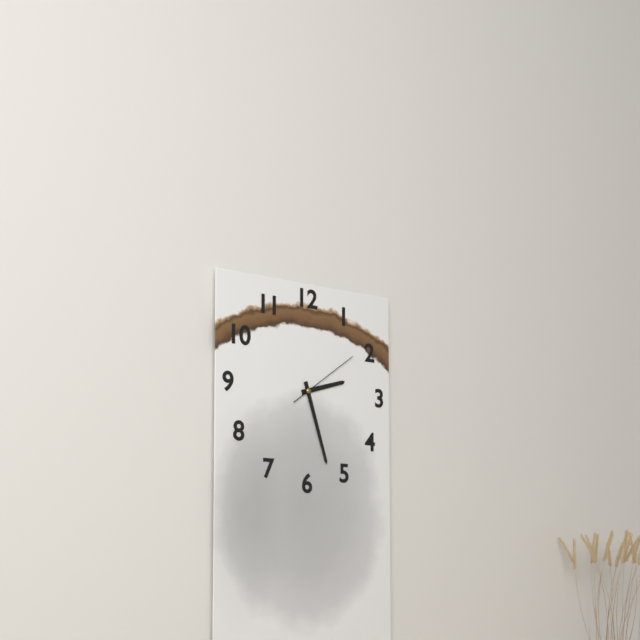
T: 2.27.09
